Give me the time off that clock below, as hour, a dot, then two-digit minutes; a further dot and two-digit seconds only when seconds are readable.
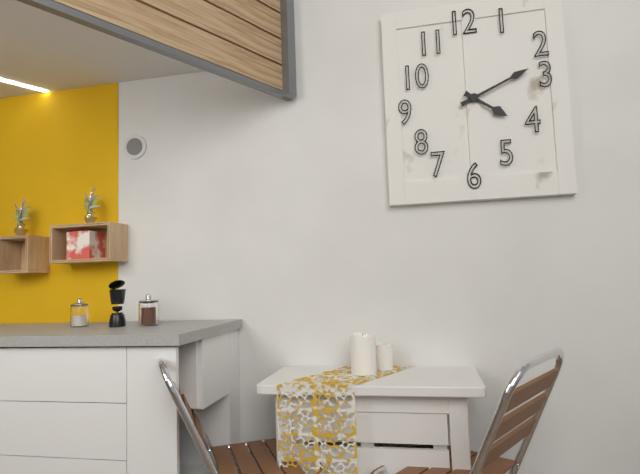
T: 4.11
